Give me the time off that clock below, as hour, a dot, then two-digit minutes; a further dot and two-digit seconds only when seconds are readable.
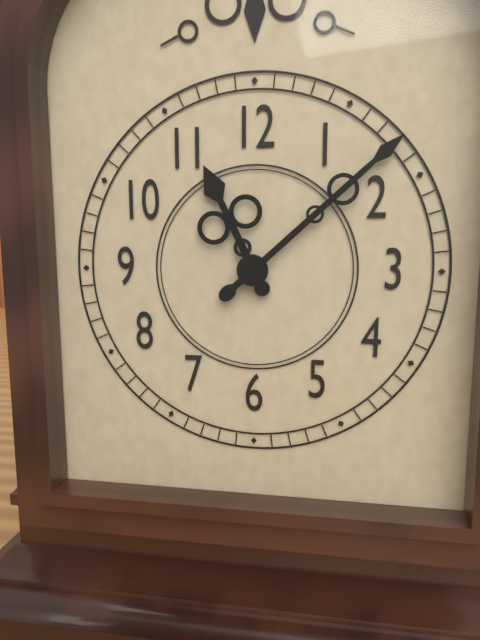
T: 11.08
